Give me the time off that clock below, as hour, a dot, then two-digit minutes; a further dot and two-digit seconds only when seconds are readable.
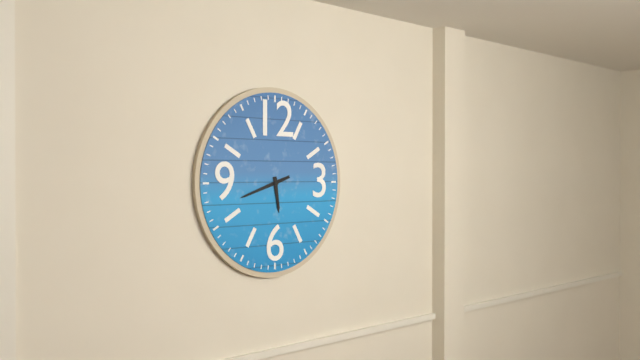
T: 5.42
